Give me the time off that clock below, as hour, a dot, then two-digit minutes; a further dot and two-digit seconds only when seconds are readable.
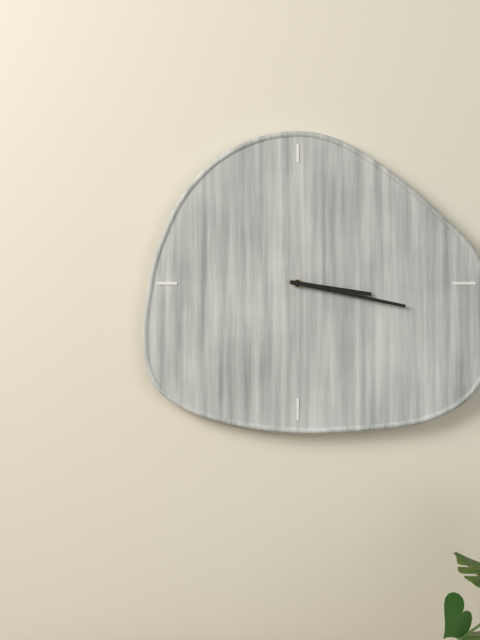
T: 3.17
